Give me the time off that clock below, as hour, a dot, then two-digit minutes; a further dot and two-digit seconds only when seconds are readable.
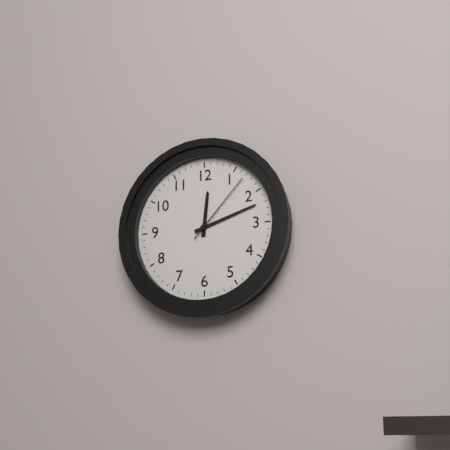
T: 12.12.07
